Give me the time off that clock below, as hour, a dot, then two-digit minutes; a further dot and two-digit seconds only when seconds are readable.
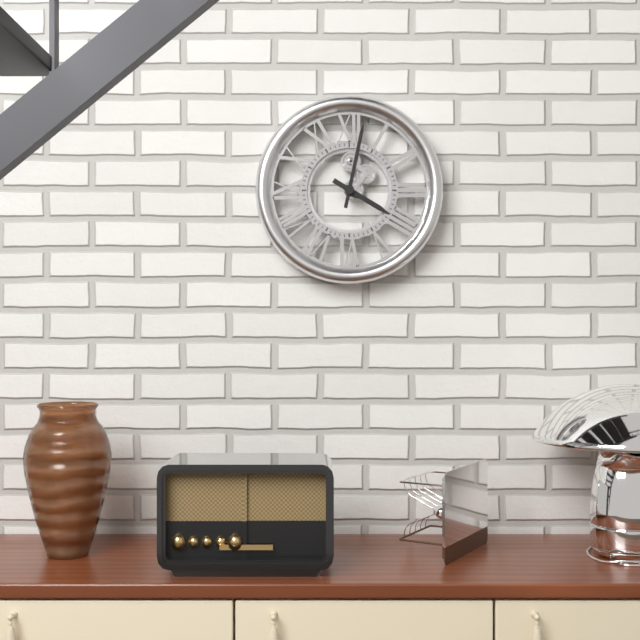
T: 4.02
